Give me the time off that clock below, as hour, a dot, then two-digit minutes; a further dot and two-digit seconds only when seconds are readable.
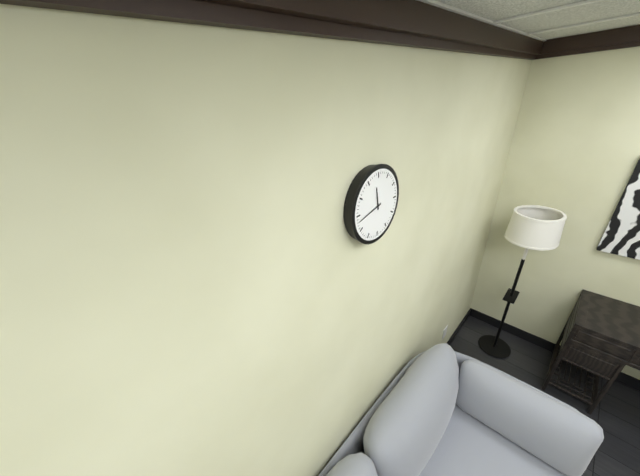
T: 11.43
